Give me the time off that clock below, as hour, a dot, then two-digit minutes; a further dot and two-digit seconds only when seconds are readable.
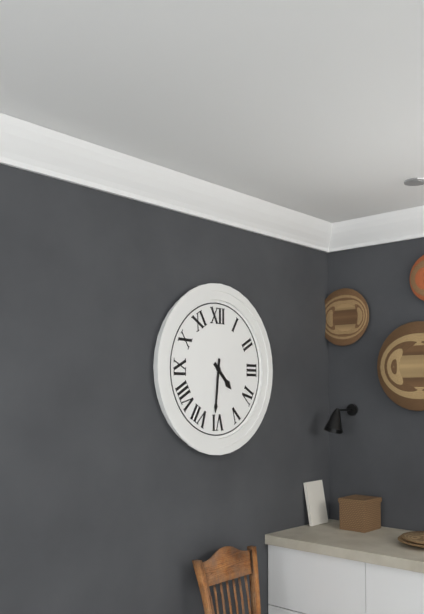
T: 4.31
